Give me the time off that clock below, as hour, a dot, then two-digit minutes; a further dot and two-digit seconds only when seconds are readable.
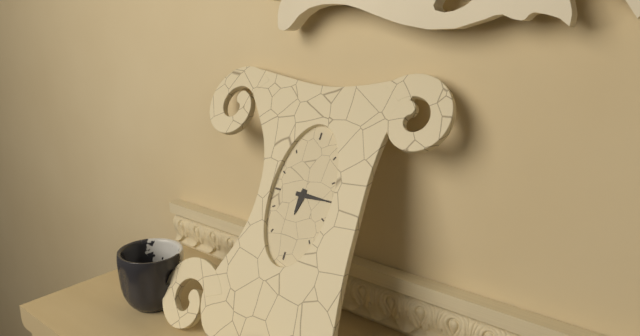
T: 6.15
